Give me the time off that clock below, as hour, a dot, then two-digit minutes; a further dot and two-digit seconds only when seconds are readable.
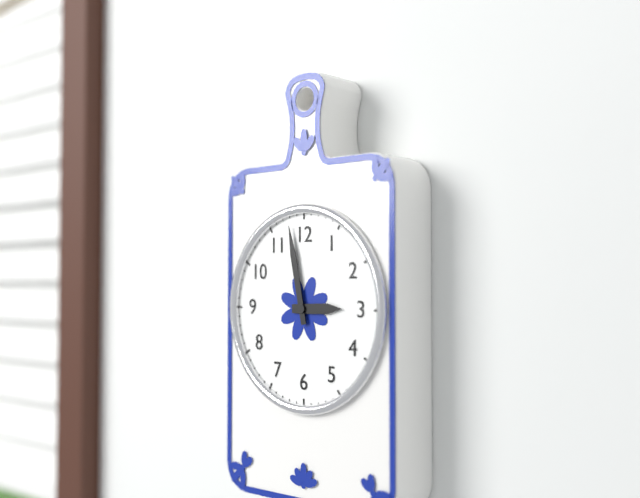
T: 2.58
